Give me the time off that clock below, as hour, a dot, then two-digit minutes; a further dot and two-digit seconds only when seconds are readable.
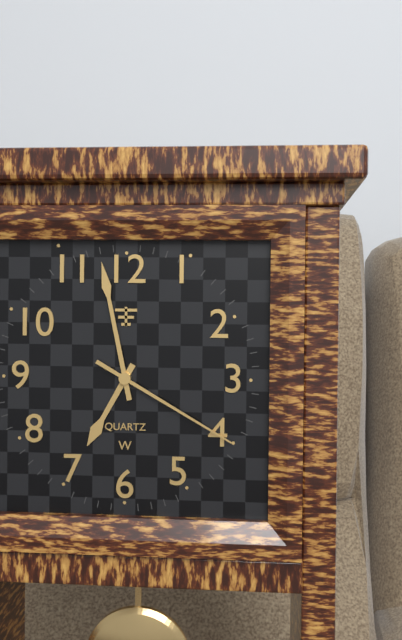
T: 6.58.20
